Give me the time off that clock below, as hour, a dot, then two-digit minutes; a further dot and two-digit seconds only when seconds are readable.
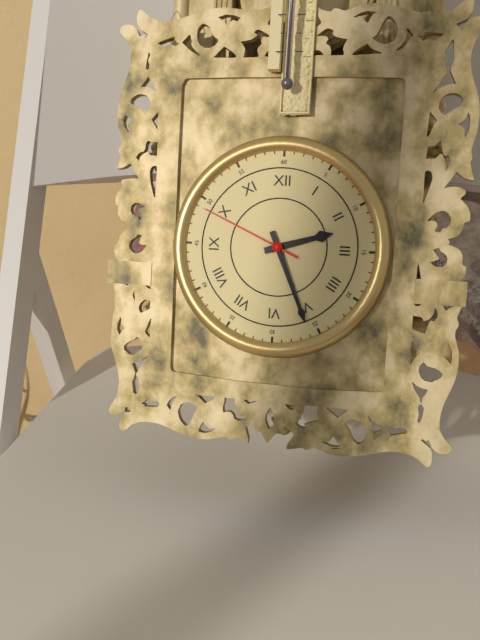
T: 2.26.49
